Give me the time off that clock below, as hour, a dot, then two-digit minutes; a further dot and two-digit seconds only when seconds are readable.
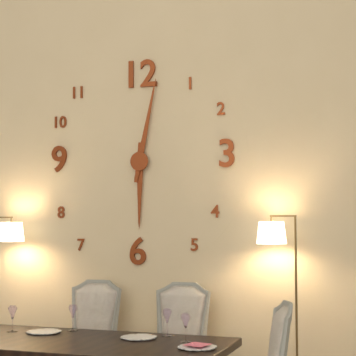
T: 6.02
